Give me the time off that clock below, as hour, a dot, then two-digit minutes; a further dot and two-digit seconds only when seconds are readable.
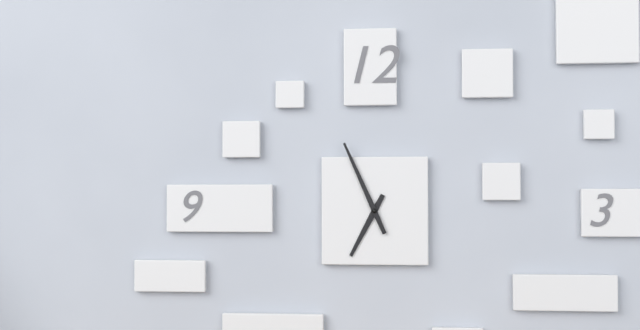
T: 6.56
